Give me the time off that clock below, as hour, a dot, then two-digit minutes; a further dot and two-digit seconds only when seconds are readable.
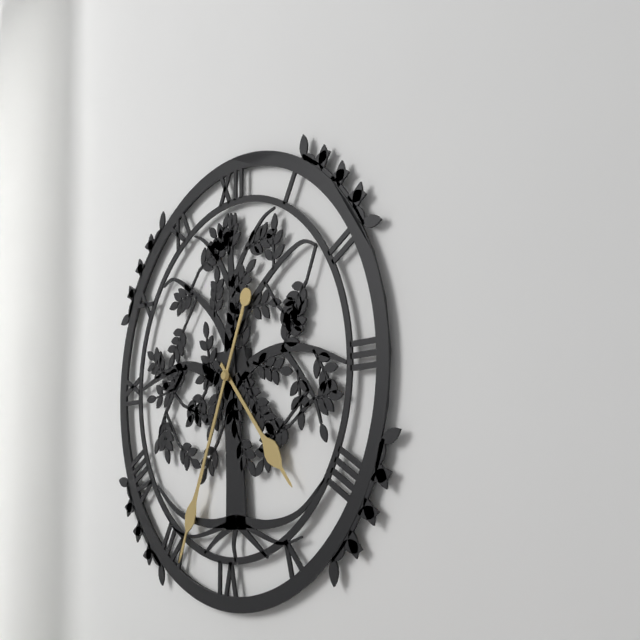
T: 4.34
